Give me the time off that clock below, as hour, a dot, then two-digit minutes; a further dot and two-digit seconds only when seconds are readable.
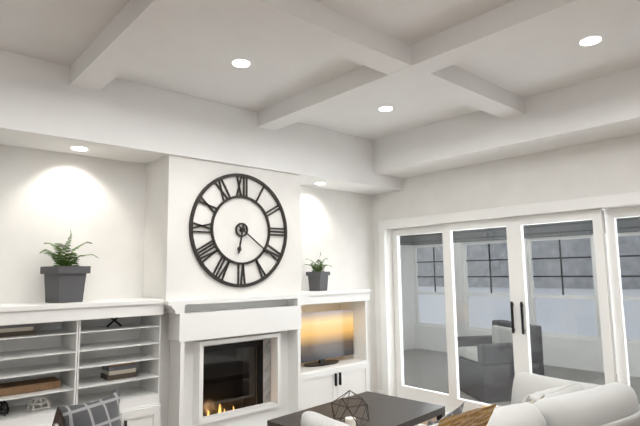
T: 6.21
